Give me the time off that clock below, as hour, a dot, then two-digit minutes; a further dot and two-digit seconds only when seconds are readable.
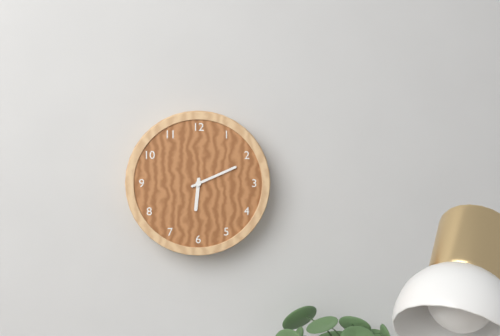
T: 6.11
